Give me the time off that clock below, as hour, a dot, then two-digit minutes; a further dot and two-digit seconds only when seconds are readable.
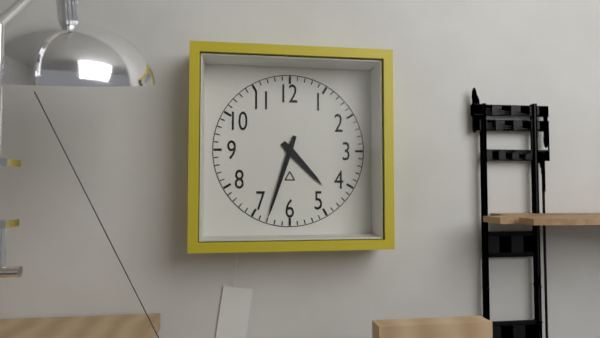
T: 4.33
